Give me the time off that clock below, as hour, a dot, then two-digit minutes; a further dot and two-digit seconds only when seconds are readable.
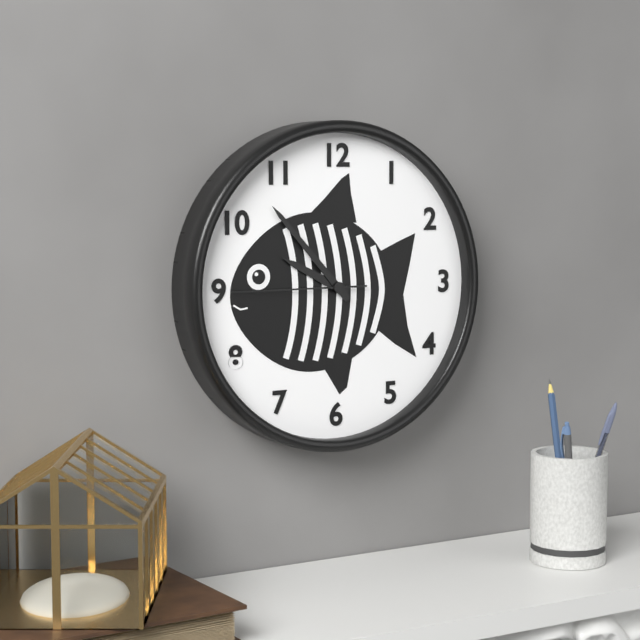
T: 9.53.45
